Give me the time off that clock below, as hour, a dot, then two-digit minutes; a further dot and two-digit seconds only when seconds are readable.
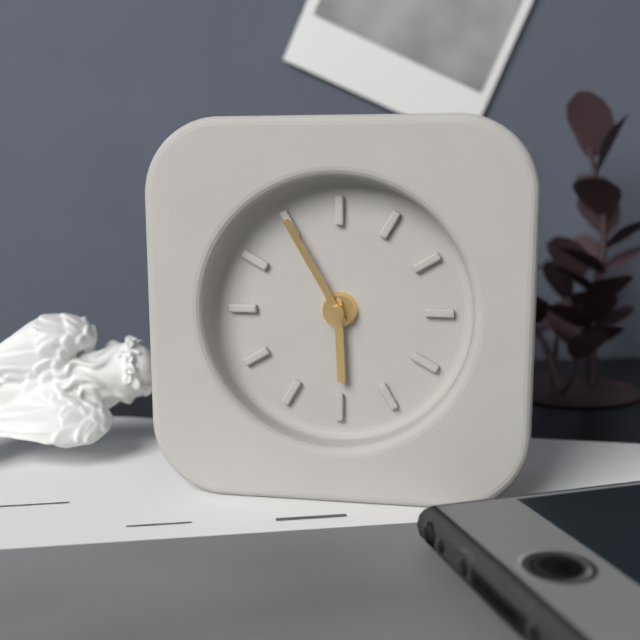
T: 5.55
